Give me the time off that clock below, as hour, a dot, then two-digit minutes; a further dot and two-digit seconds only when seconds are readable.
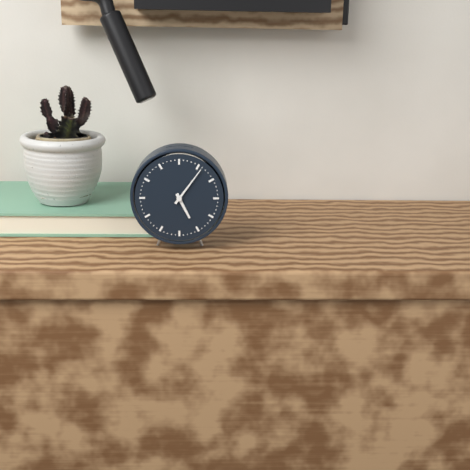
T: 5.06
